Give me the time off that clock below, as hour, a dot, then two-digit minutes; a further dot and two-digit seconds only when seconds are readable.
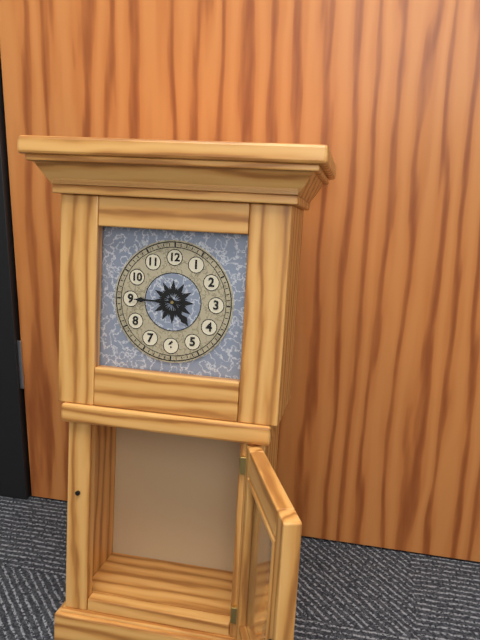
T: 4.45
